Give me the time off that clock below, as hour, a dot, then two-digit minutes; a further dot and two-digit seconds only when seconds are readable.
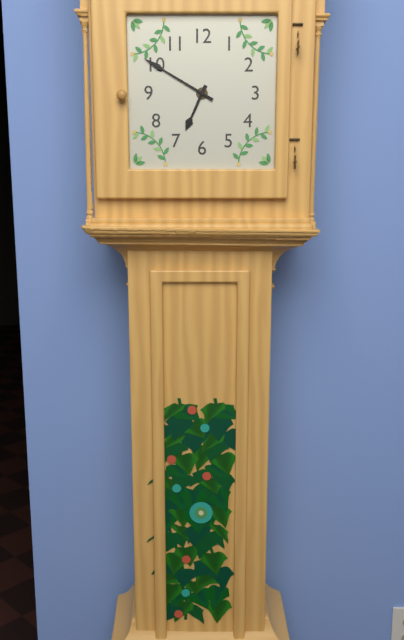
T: 6.50
